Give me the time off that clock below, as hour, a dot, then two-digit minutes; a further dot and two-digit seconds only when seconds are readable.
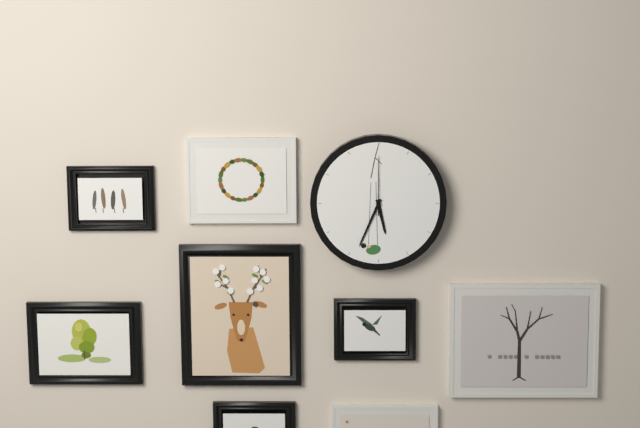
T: 5.34.00
